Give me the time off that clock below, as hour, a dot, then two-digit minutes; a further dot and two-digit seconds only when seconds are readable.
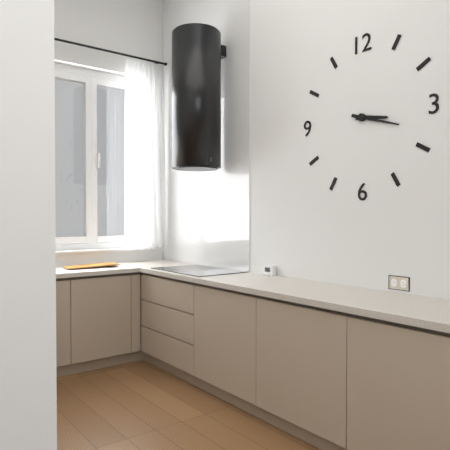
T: 3.18
